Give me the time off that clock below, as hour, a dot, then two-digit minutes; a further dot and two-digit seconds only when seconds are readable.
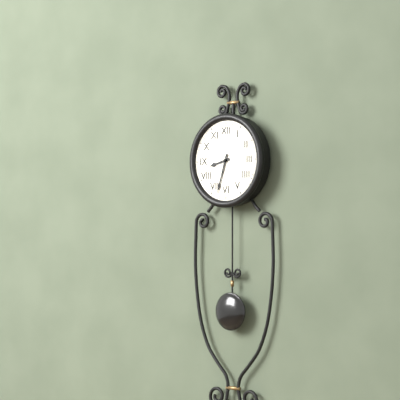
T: 8.33
